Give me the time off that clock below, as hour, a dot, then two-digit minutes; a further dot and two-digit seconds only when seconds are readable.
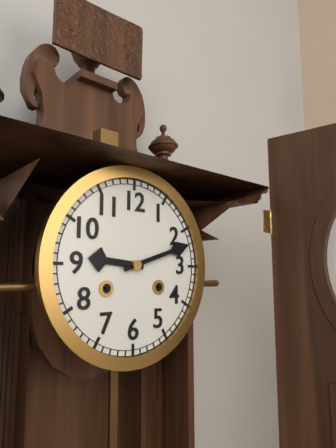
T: 9.12
